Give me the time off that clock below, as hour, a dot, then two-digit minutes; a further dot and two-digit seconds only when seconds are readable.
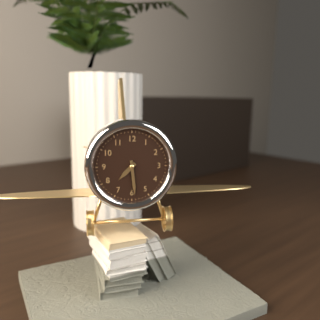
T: 7.29
